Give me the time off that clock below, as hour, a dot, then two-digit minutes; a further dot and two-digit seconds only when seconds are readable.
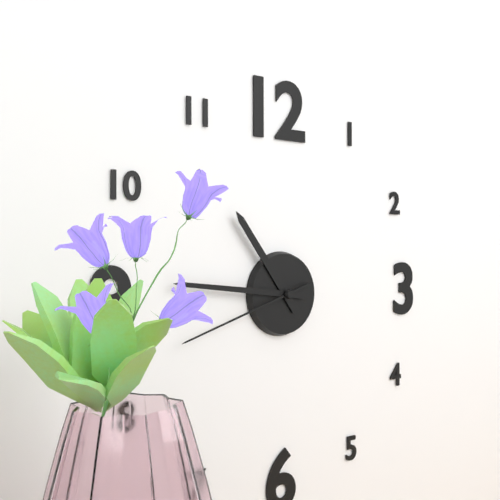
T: 10.46.42
